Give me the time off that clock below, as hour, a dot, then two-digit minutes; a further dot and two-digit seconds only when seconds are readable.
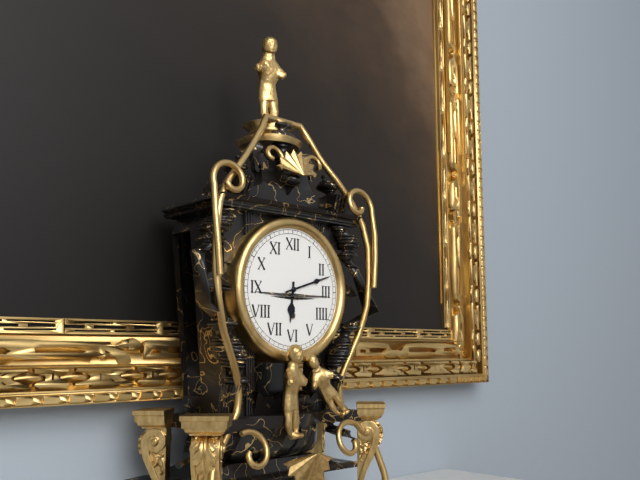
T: 6.12
